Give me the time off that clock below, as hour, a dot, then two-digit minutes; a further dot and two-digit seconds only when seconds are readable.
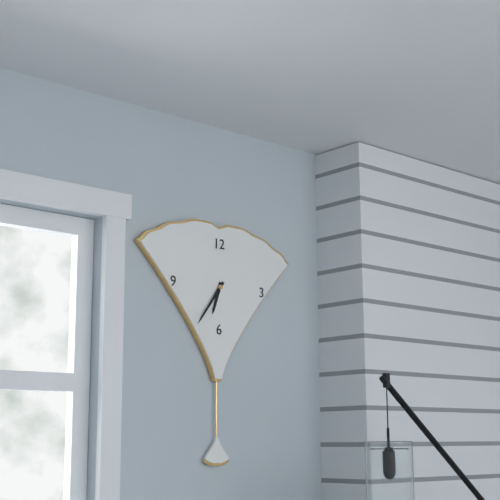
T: 6.36
